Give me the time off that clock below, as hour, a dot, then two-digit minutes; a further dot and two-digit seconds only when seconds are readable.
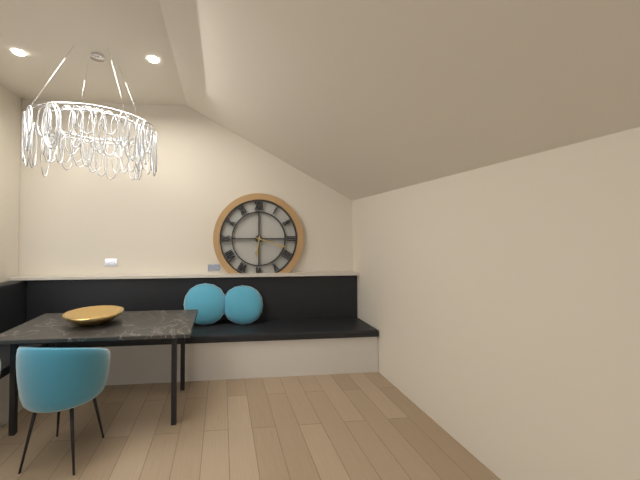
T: 6.18
